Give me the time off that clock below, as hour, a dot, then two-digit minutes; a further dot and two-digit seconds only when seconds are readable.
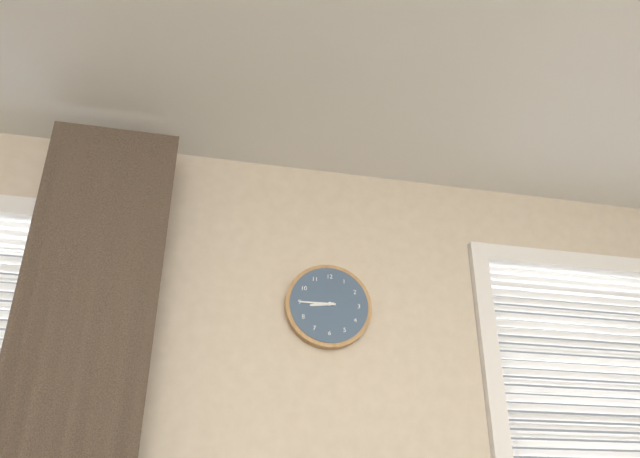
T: 8.45
